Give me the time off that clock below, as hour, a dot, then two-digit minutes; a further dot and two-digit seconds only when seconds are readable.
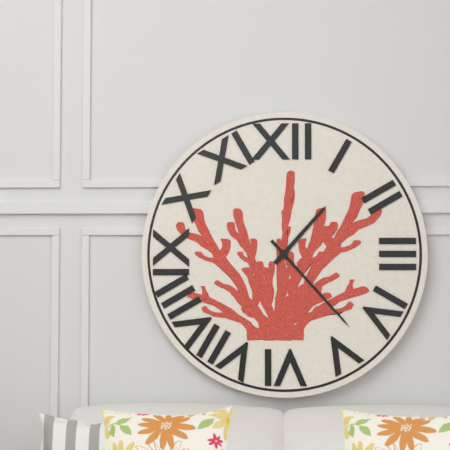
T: 1.23
